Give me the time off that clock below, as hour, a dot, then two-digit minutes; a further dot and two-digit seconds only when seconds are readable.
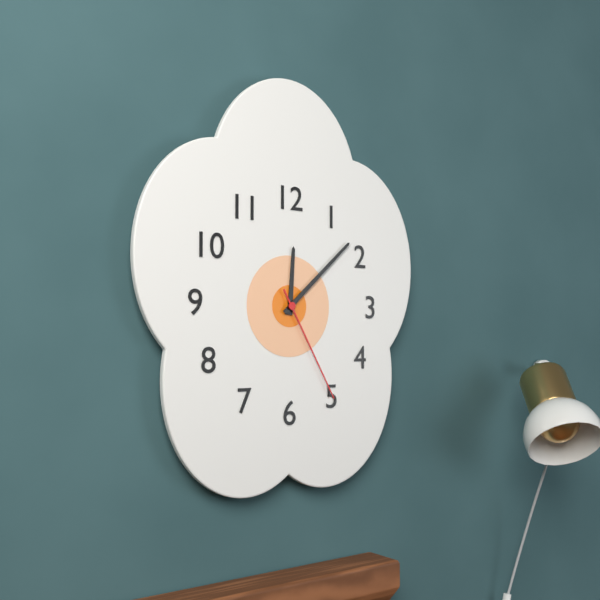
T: 12.08.25
